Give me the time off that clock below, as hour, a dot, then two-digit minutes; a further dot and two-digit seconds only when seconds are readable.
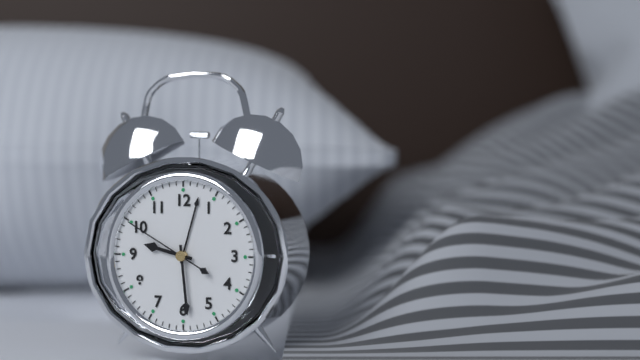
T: 9.29.50
